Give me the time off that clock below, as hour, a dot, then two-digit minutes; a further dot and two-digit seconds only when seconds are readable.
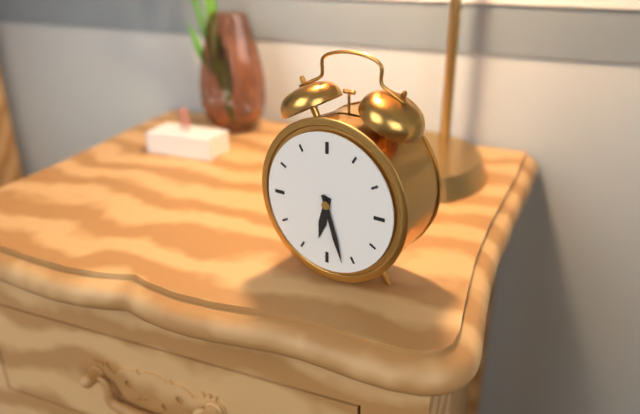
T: 6.27
